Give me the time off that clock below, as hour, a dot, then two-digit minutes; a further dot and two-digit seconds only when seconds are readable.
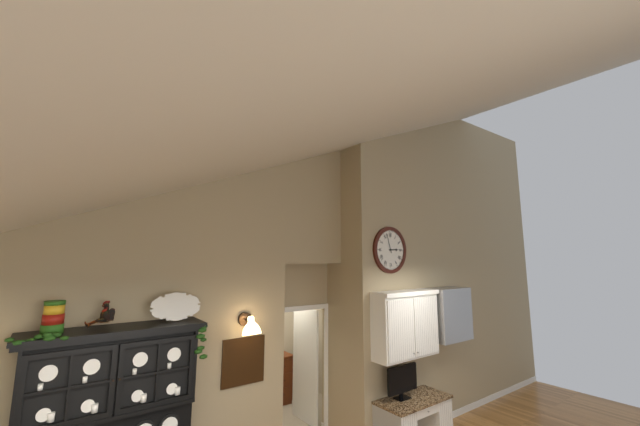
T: 2.57
